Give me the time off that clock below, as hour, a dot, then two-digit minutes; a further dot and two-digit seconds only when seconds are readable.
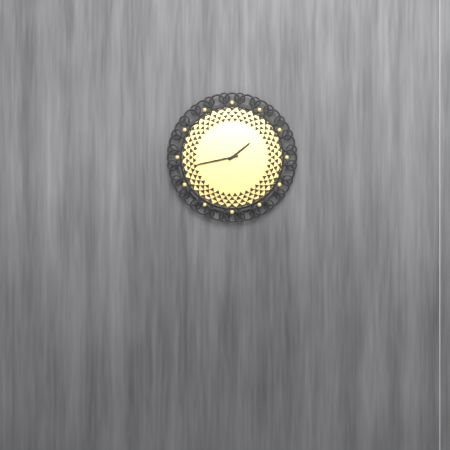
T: 1.43
